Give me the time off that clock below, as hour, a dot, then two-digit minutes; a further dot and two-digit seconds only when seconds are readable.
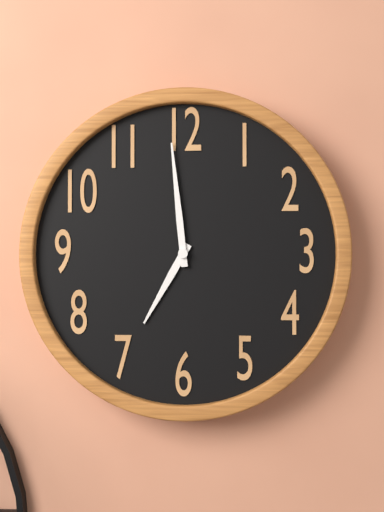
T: 6.59
